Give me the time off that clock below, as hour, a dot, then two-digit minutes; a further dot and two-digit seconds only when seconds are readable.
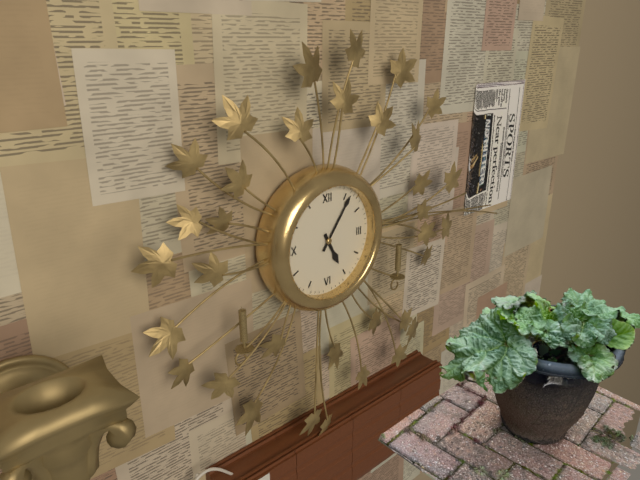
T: 5.06
